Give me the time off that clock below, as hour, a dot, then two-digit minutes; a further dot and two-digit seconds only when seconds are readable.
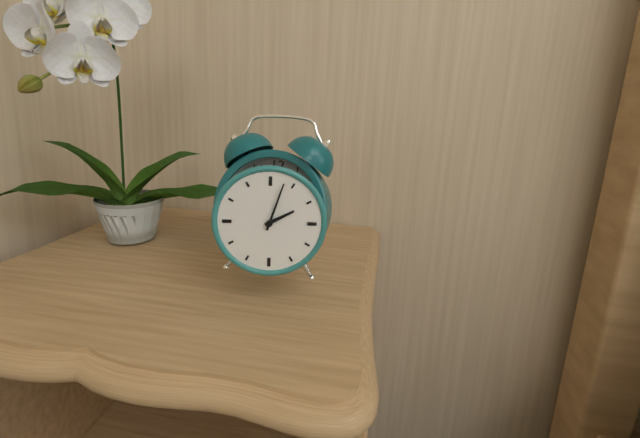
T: 2.03
